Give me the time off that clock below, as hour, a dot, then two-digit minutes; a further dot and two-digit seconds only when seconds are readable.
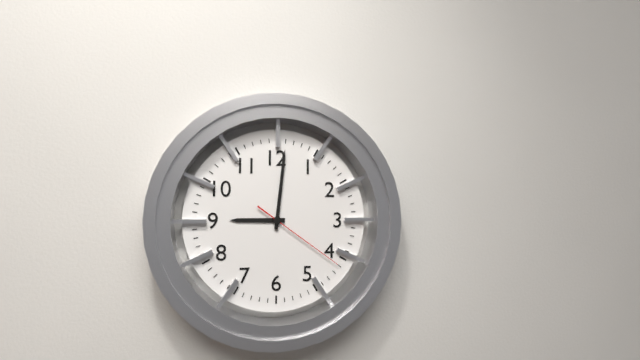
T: 9.01.21
